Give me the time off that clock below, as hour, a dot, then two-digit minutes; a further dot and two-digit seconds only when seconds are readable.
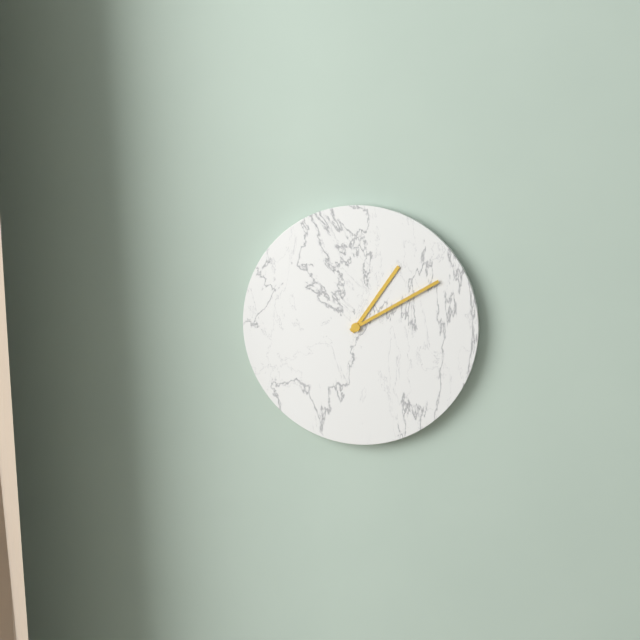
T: 1.10
